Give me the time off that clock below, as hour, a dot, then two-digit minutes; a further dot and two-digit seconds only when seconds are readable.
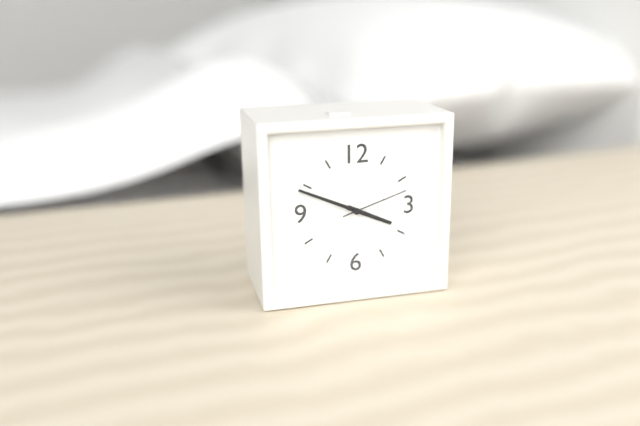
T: 3.49.12
